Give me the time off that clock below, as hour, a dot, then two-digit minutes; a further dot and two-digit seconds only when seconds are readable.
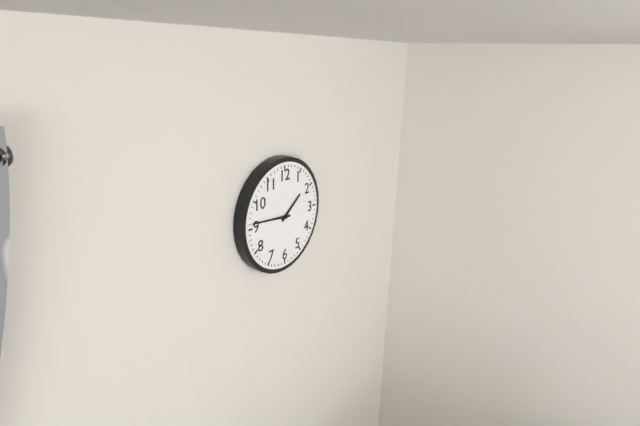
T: 1.46
